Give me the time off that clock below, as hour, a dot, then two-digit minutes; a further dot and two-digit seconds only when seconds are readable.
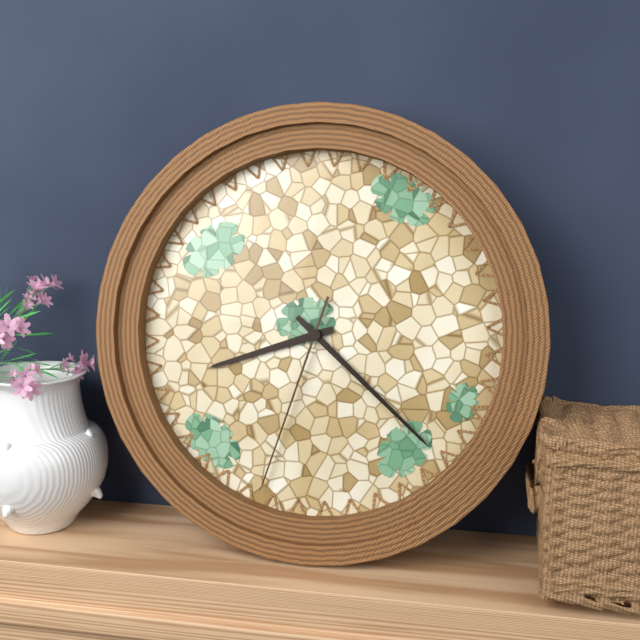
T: 8.22.33
